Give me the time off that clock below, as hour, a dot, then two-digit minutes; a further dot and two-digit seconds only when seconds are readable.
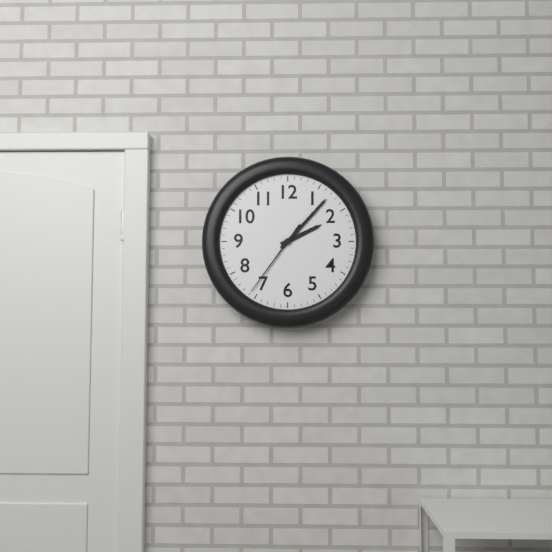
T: 2.07.36
